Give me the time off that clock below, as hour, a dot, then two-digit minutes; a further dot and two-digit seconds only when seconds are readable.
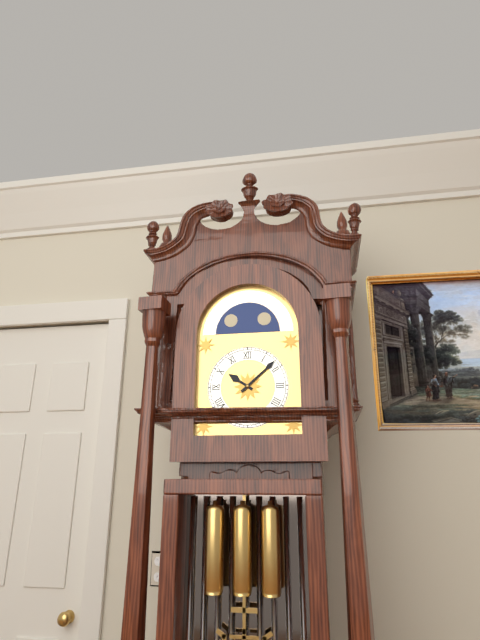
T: 10.08
